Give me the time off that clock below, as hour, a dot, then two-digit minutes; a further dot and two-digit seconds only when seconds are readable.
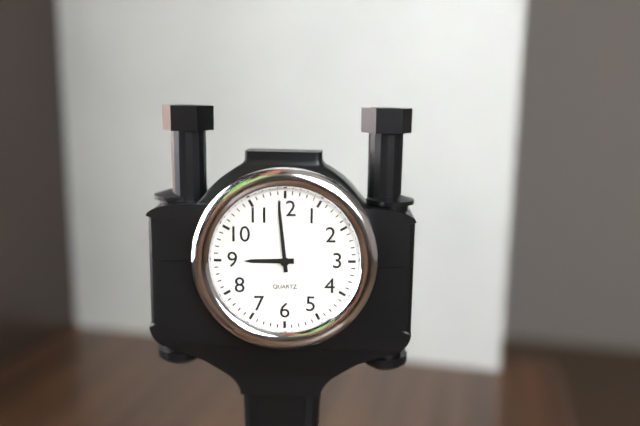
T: 8.59
